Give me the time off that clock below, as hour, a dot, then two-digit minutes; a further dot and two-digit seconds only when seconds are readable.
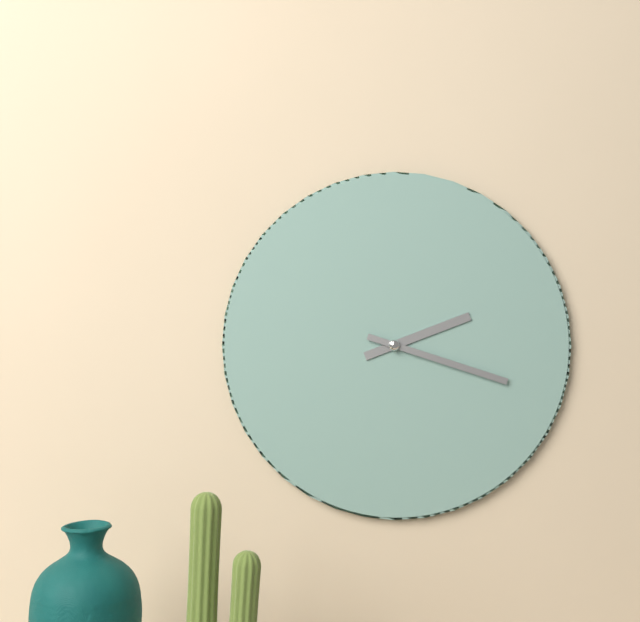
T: 2.18
